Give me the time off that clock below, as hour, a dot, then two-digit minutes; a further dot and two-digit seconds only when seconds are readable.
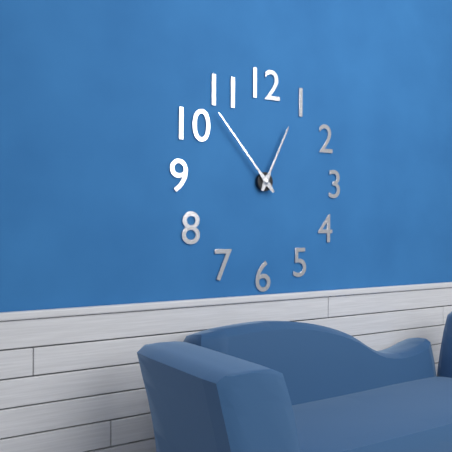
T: 12.53
